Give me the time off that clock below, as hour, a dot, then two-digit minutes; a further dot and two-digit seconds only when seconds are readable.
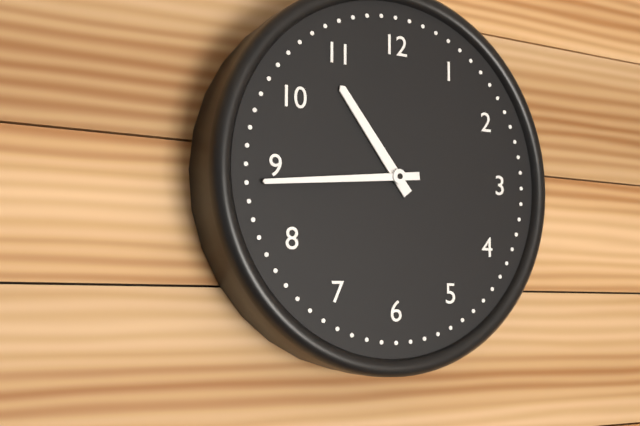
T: 10.44
